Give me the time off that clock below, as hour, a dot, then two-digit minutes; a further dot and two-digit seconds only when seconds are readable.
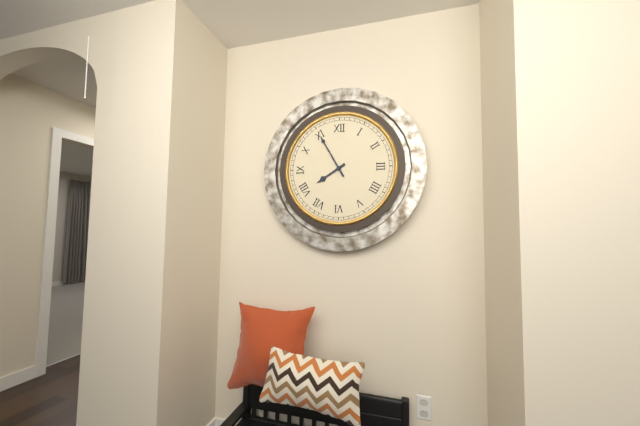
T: 7.55
